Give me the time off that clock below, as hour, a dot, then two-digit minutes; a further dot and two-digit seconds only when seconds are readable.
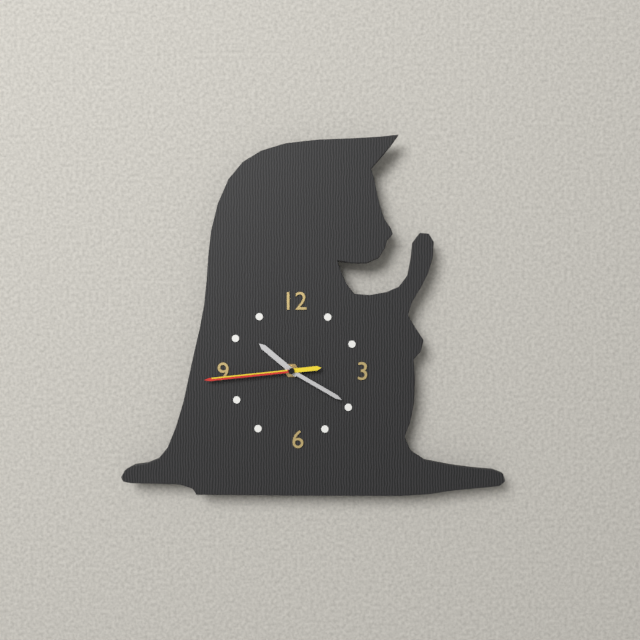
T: 10.20.44
